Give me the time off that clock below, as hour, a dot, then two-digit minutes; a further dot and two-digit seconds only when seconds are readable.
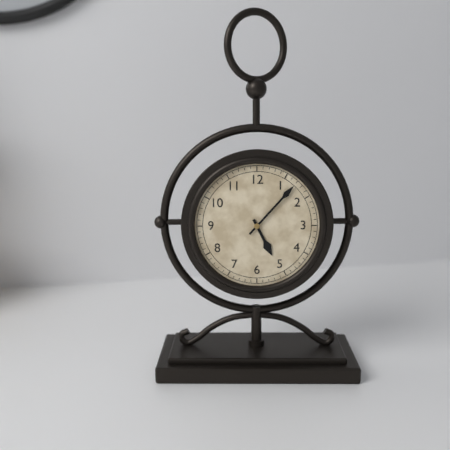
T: 5.07
